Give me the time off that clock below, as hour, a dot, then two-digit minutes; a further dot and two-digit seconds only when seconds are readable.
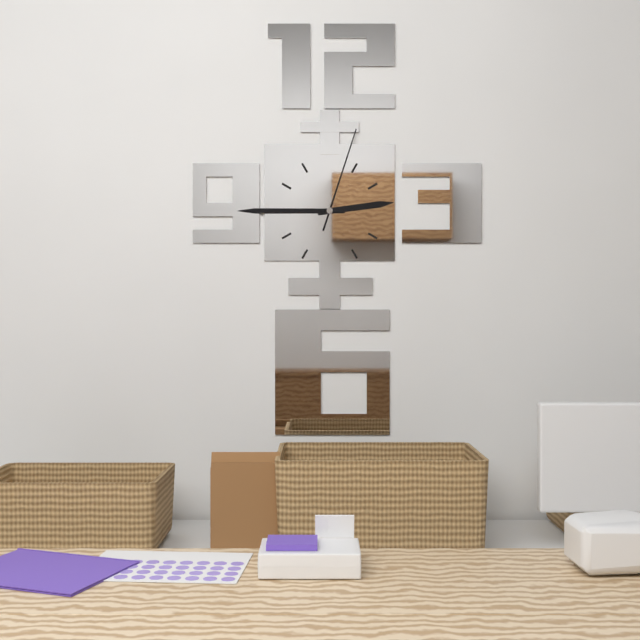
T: 2.45.03
